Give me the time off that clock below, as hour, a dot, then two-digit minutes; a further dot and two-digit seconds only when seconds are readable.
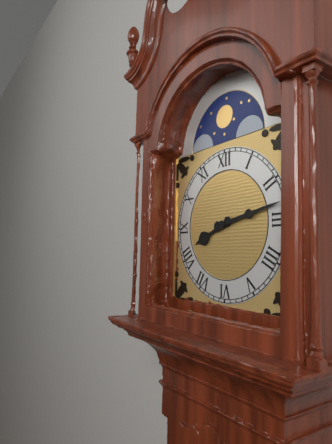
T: 8.13
